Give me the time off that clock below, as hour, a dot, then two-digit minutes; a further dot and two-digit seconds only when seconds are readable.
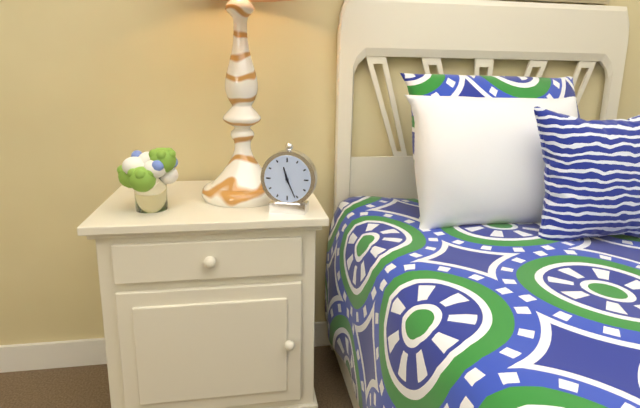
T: 11.26
